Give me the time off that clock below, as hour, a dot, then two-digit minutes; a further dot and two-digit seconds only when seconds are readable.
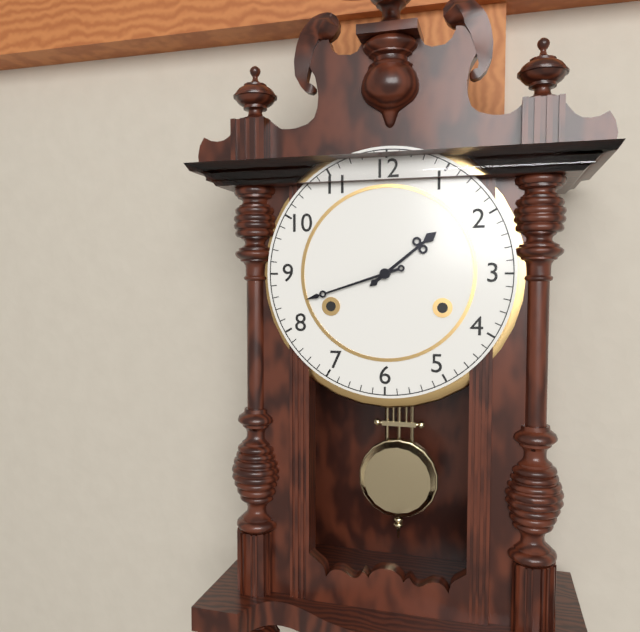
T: 1.42
